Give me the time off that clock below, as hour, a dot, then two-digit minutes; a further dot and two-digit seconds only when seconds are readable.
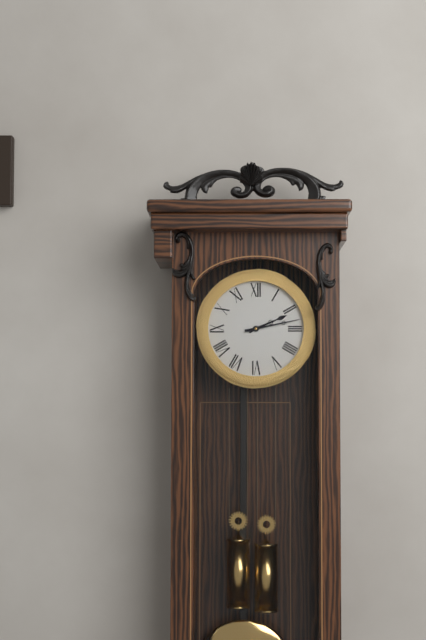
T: 2.13
